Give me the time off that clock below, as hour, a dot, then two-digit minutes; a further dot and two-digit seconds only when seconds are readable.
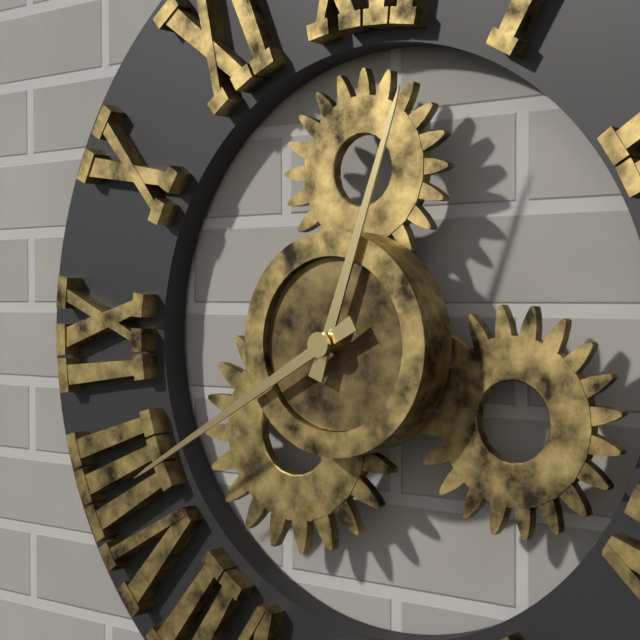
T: 12.40
